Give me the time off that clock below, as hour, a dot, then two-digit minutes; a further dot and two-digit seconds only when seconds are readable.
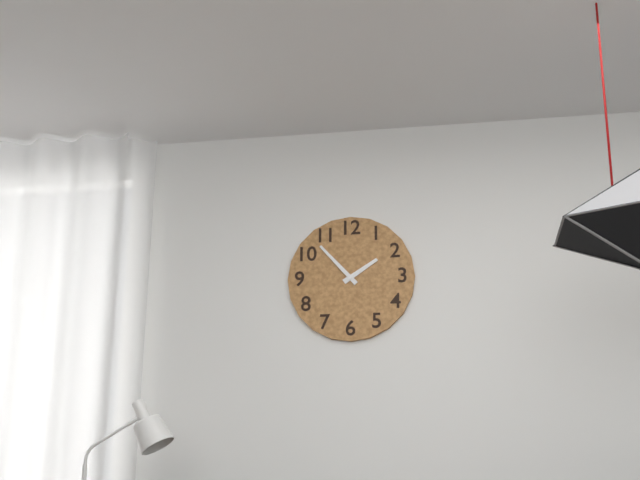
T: 1.53
